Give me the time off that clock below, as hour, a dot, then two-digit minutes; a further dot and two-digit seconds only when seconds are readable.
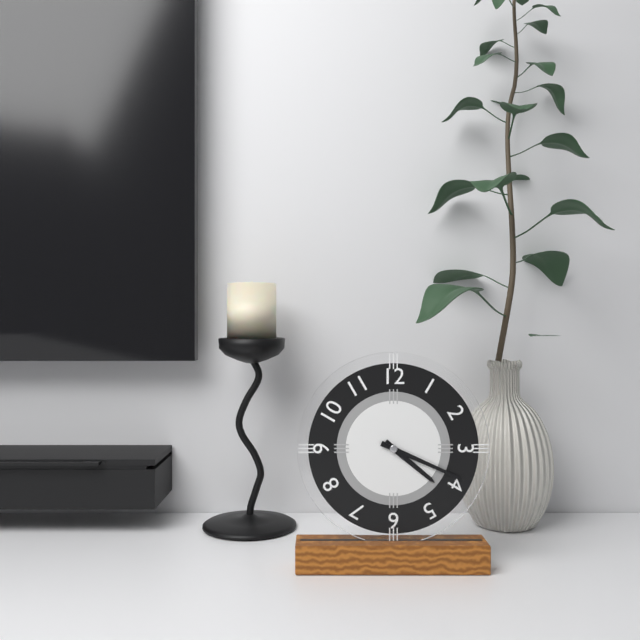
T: 4.19
